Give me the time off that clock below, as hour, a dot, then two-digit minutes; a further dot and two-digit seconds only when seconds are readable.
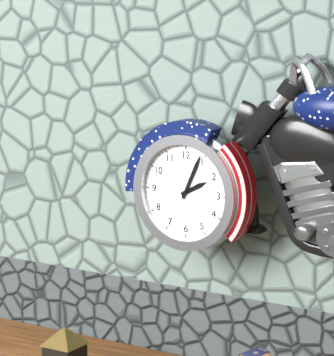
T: 2.04
